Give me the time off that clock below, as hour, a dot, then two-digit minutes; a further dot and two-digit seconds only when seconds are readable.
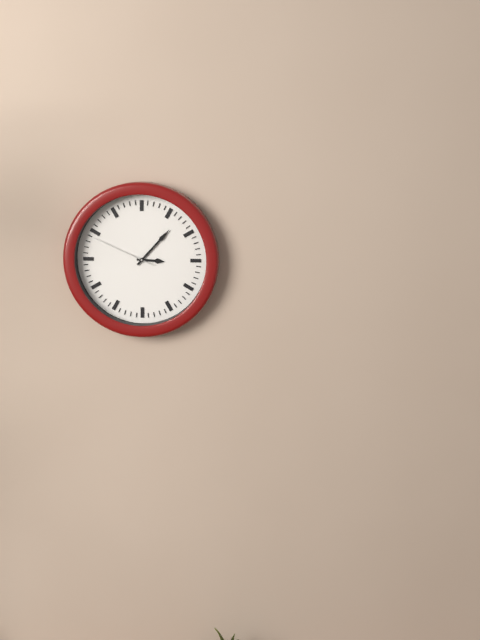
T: 3.07.49
